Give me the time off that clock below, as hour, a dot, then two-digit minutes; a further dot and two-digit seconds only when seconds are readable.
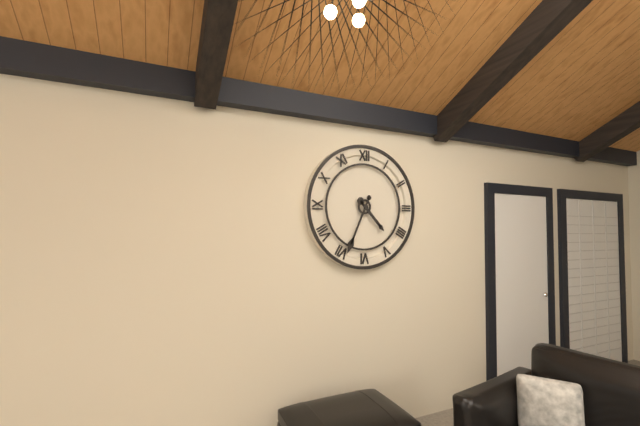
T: 4.34
